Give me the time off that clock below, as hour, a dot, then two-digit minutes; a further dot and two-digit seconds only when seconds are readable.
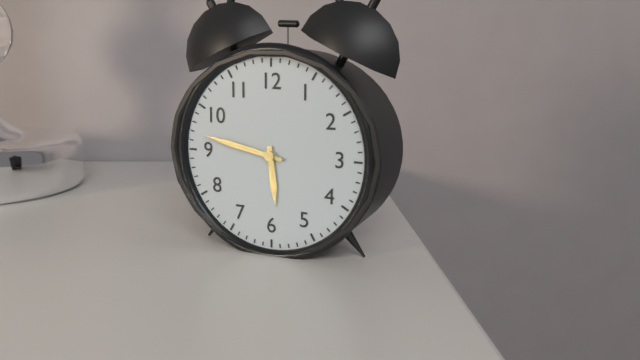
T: 5.47
